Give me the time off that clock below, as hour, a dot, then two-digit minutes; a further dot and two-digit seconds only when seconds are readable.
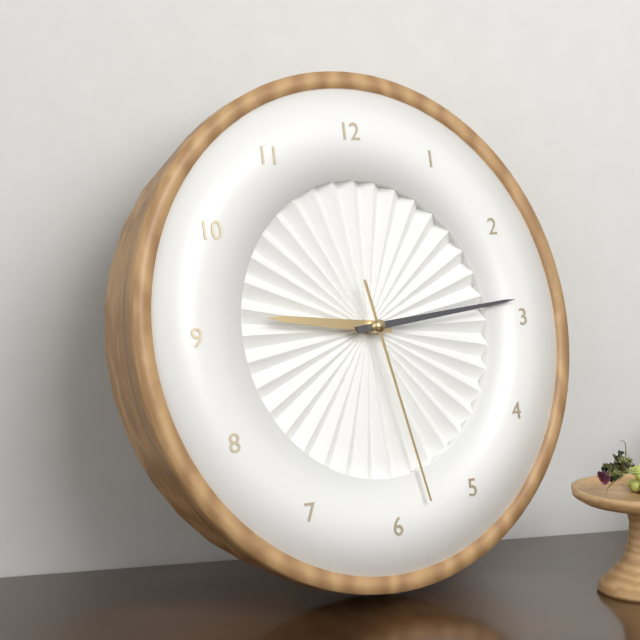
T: 9.14.28
